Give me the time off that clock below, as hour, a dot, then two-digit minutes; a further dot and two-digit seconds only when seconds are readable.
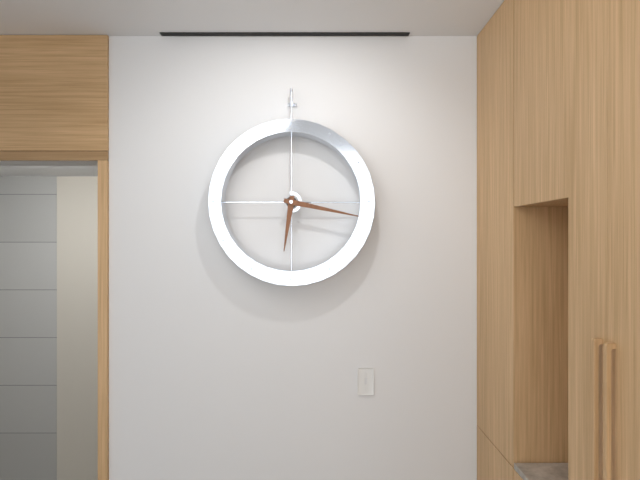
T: 6.17
